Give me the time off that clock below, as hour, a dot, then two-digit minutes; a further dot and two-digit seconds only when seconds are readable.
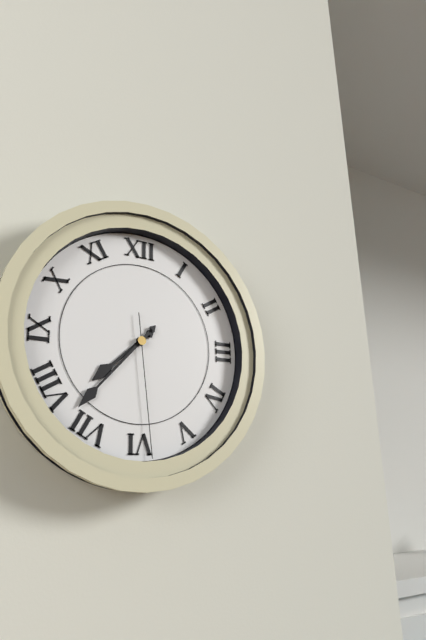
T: 7.37.29
